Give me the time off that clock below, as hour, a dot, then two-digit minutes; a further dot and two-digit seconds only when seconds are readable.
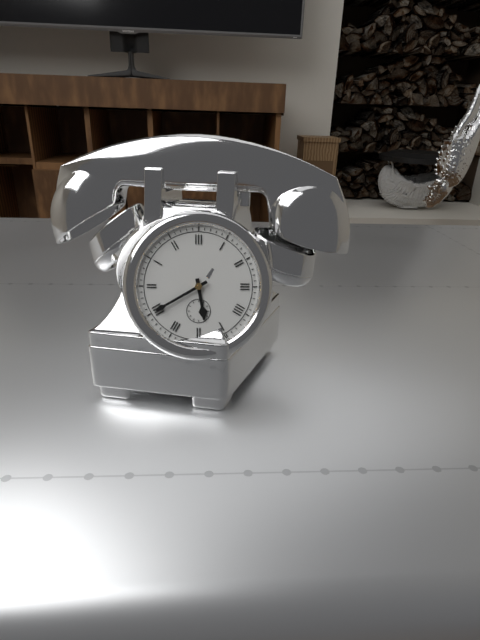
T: 5.40
